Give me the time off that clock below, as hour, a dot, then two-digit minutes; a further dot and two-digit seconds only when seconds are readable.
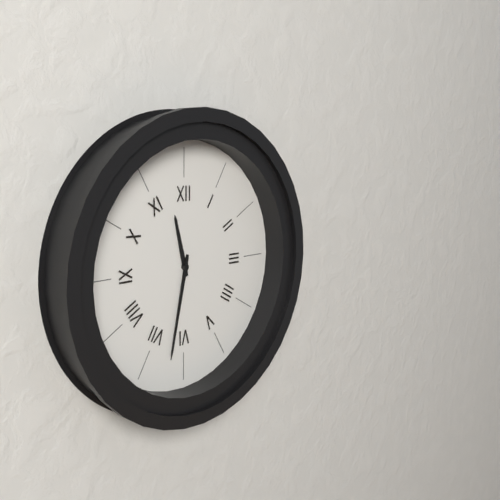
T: 11.32
